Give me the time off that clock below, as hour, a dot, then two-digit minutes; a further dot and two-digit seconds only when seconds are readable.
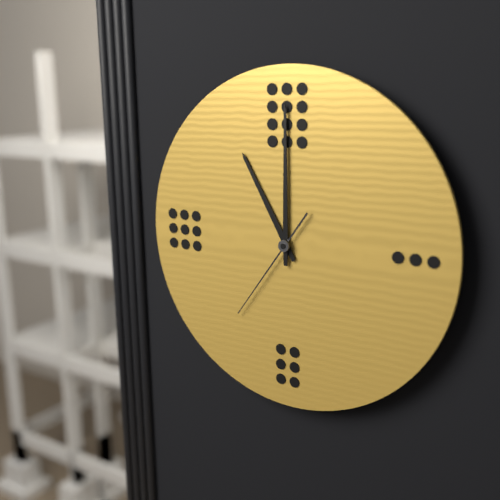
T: 11.00.36
